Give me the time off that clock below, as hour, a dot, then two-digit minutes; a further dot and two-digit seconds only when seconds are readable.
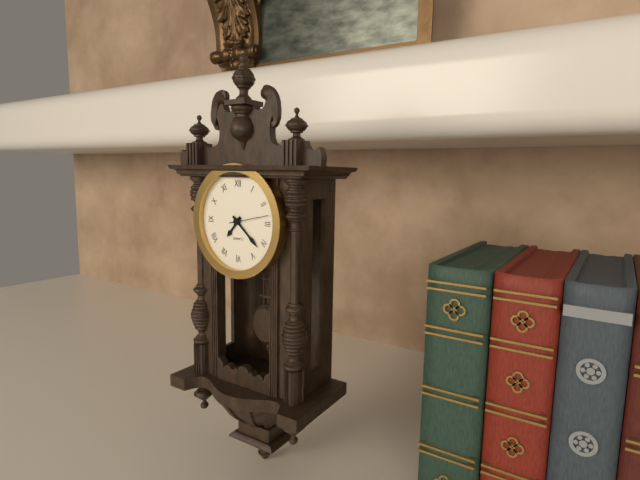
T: 7.22
